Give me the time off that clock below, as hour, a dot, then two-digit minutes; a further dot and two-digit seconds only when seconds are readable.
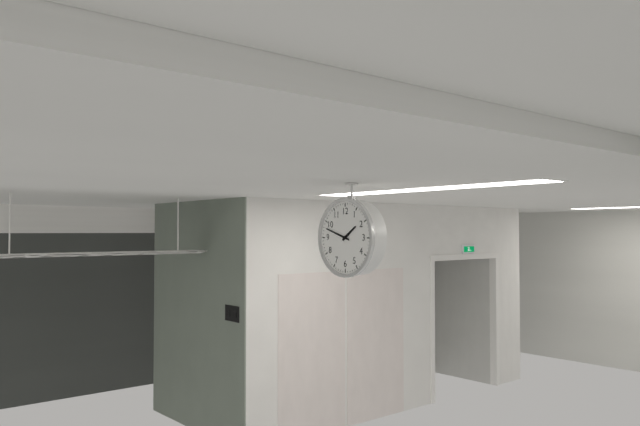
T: 1.48
